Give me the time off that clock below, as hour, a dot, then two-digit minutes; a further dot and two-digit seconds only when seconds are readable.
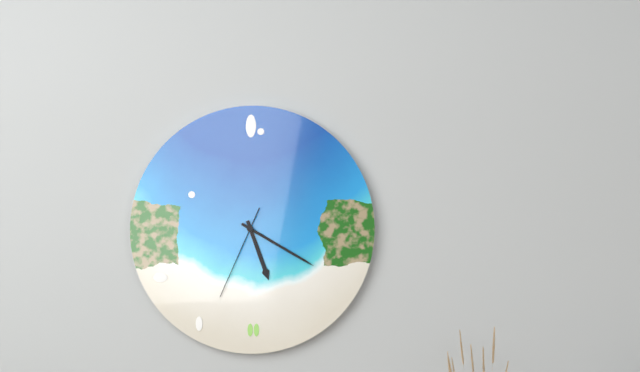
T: 5.20.34
